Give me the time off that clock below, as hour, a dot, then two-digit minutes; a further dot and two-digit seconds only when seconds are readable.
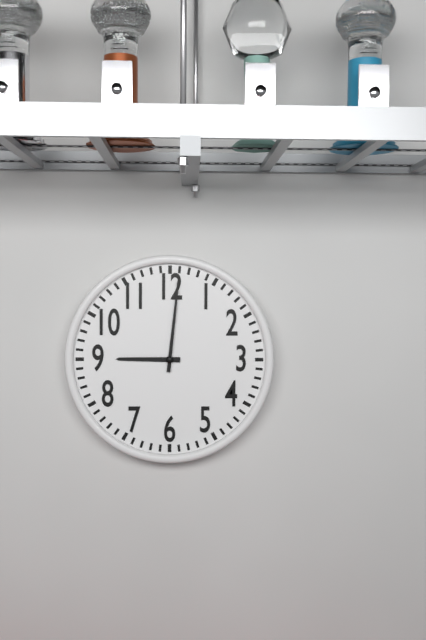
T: 9.01
